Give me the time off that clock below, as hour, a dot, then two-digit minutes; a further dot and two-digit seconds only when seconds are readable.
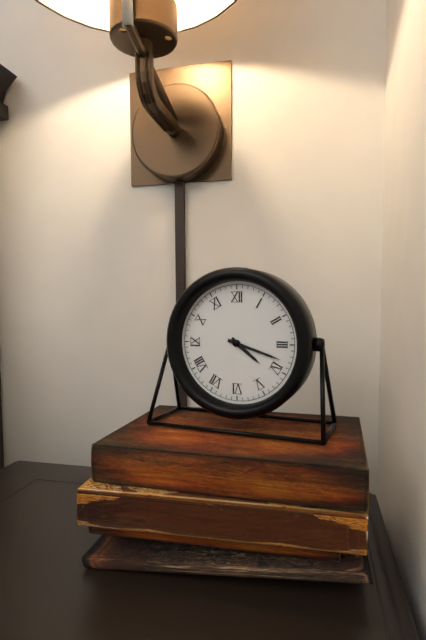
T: 4.18
